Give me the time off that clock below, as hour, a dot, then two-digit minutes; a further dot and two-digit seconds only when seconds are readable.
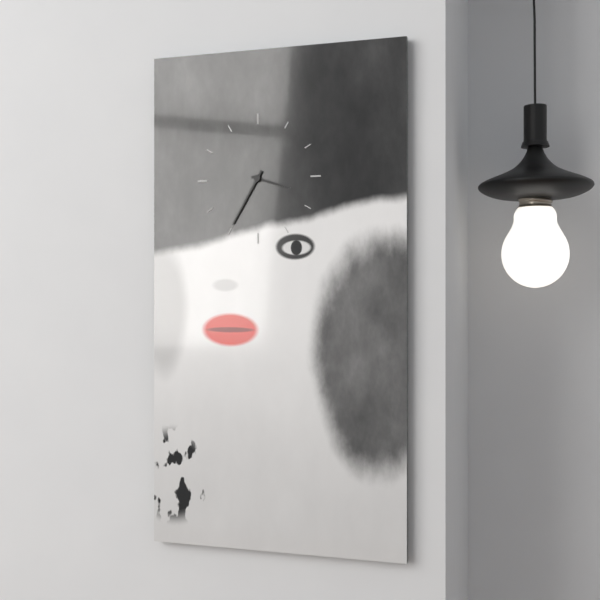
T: 3.35
